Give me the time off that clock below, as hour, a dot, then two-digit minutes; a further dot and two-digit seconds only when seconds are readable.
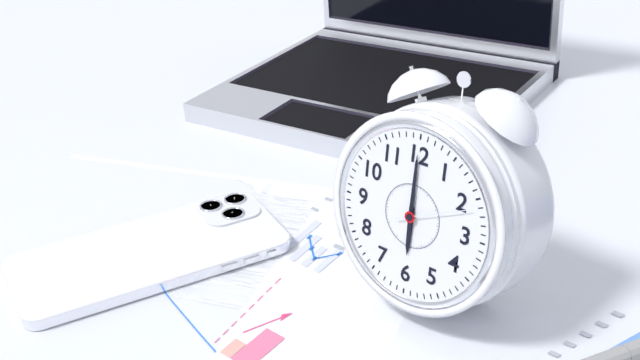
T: 6.00.11
